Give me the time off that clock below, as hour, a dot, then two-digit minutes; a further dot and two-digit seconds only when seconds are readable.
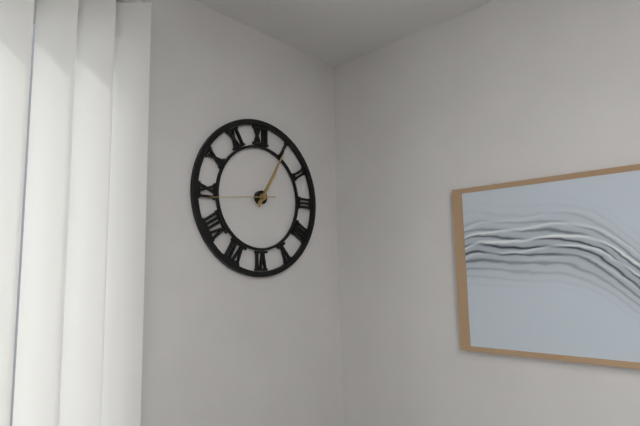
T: 1.05.44
